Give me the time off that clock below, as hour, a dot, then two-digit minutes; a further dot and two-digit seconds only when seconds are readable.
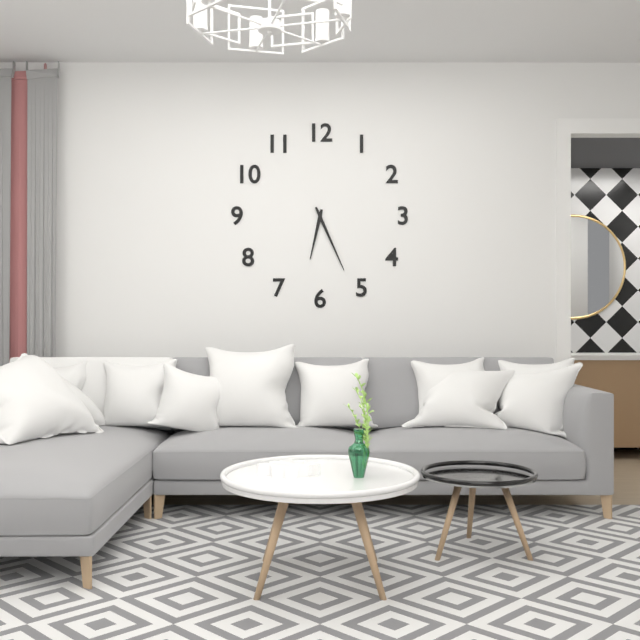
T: 6.26
